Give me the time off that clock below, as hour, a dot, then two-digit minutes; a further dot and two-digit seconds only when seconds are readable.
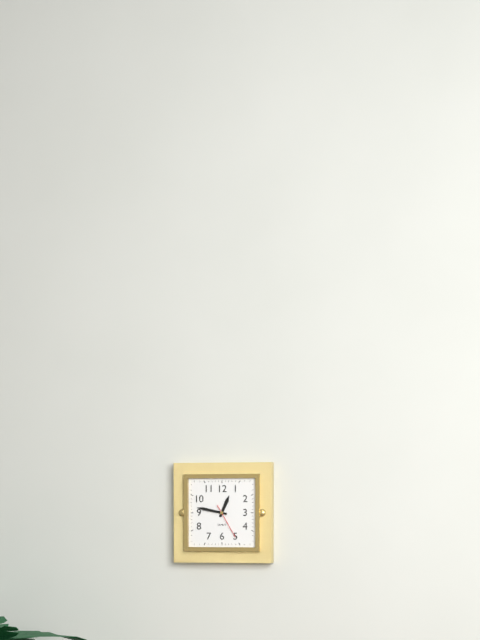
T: 12.47
